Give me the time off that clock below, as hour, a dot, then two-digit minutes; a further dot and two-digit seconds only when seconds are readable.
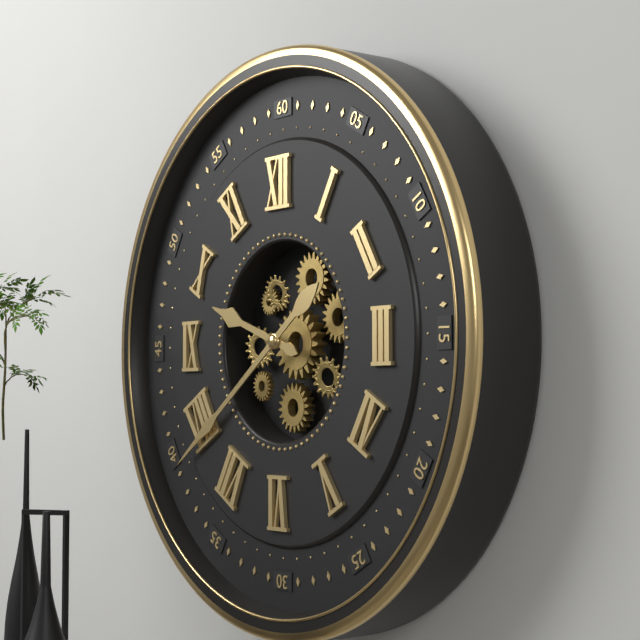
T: 9.39
